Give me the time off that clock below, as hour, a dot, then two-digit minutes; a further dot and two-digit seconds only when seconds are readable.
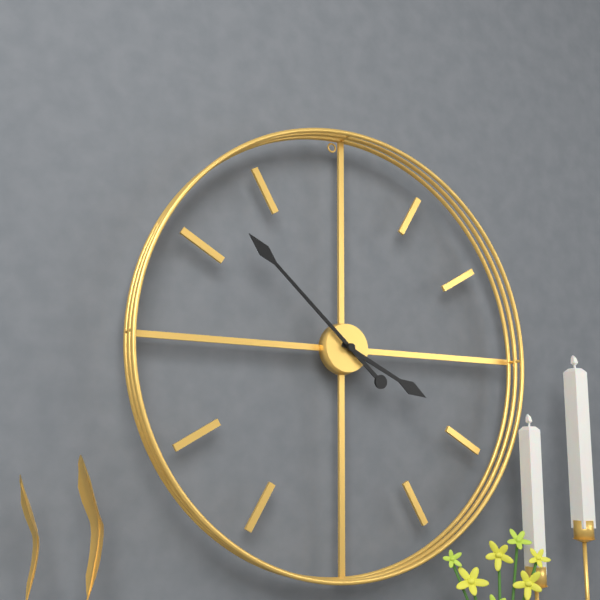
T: 3.52
